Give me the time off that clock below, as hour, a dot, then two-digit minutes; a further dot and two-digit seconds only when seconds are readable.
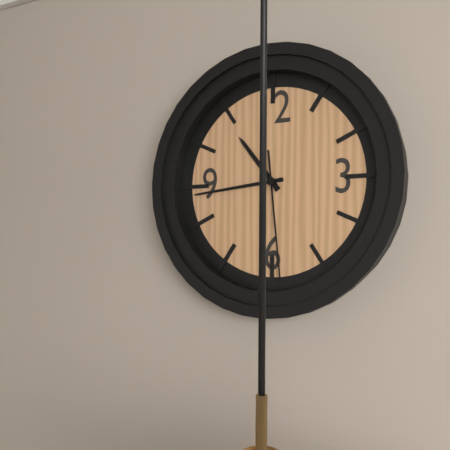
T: 10.44.29
